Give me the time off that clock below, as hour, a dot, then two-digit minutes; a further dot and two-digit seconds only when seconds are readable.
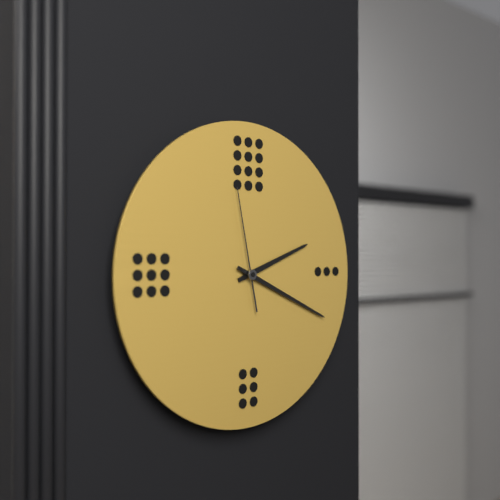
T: 2.19.58
